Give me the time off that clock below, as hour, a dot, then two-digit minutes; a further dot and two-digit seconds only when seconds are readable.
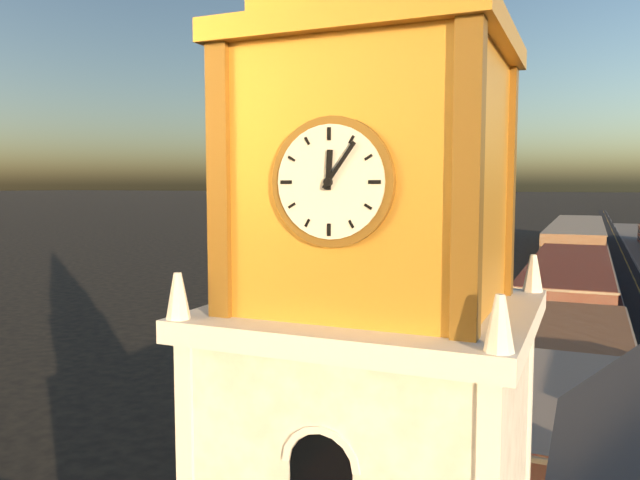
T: 12.06
